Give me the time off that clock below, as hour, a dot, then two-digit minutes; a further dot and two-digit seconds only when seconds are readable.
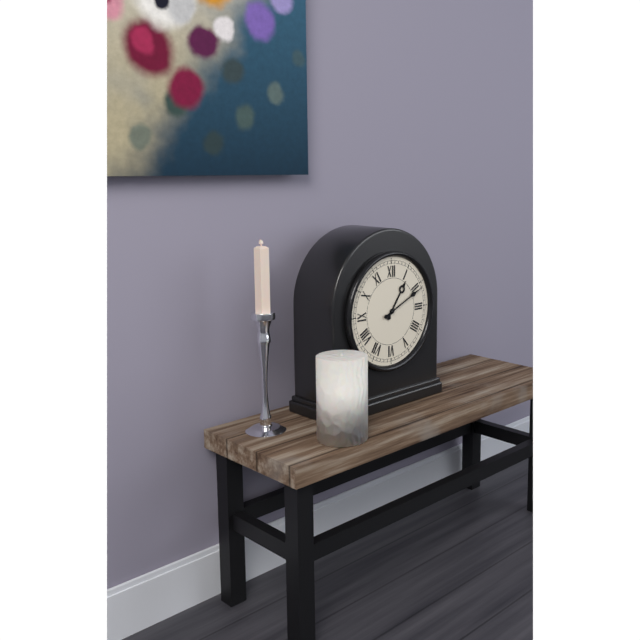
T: 1.11
